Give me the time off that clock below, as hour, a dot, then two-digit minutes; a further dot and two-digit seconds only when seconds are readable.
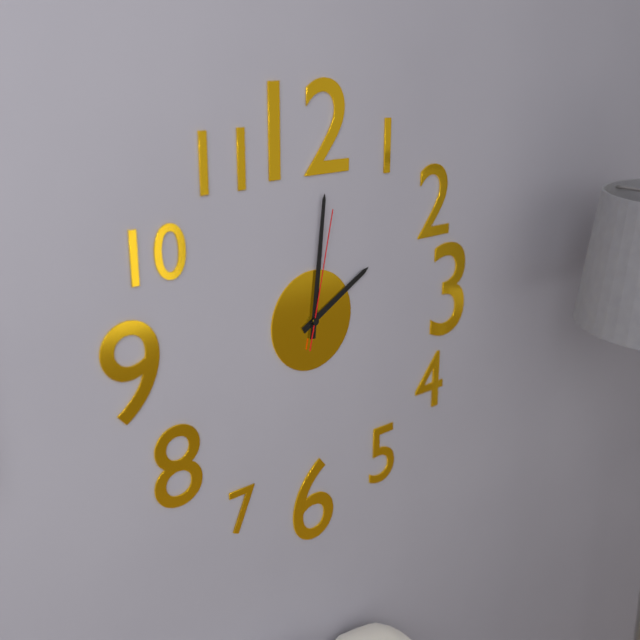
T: 2.01.02
